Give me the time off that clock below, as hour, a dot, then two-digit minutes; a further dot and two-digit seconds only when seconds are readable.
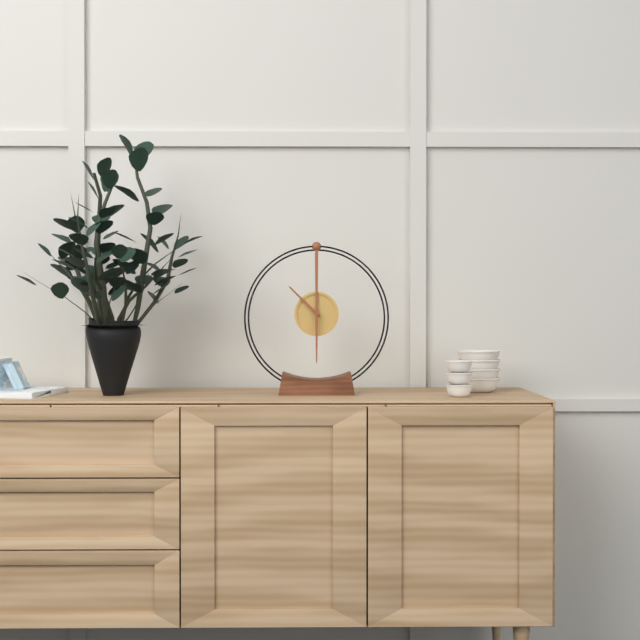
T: 10.30
